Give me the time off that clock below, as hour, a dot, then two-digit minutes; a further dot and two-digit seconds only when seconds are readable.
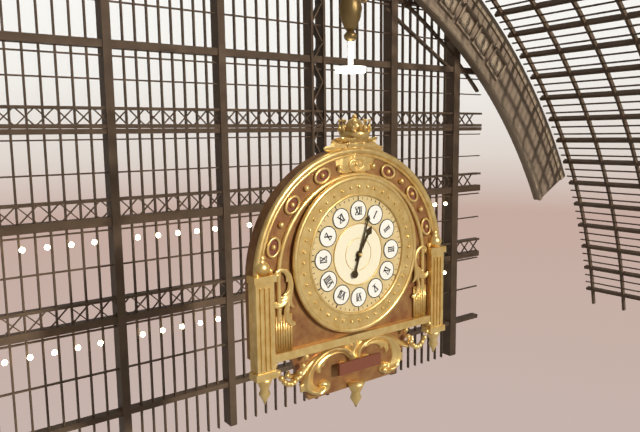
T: 1.03
